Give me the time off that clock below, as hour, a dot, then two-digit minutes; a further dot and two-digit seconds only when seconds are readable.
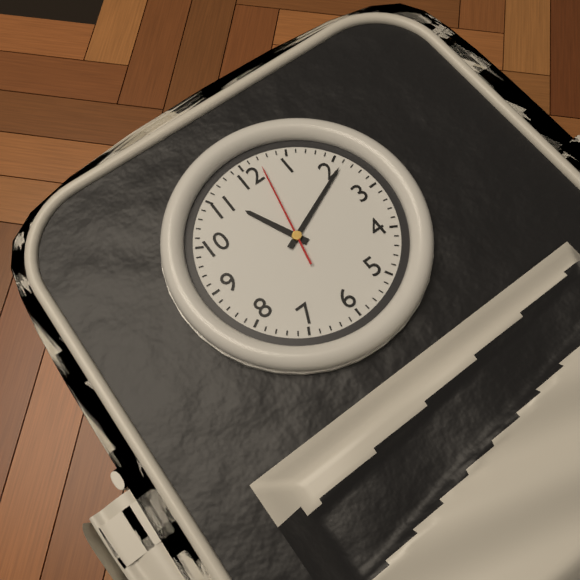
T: 11.11.02
